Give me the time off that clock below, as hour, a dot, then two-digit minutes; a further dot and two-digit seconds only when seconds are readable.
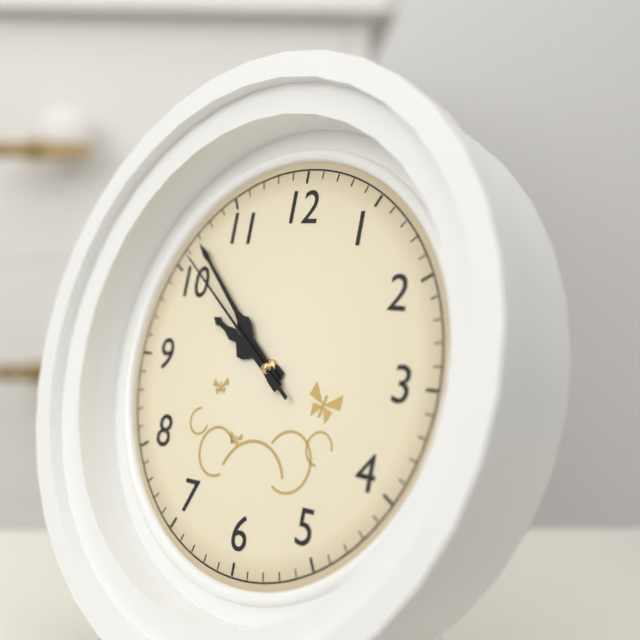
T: 9.52.51
